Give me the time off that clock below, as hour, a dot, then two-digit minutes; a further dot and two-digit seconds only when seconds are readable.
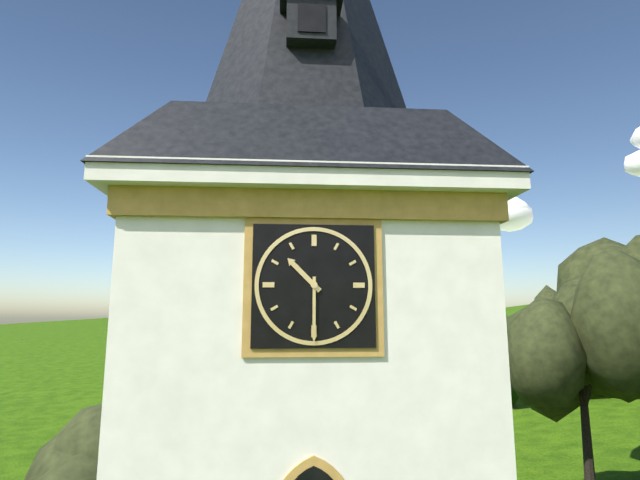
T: 10.30
